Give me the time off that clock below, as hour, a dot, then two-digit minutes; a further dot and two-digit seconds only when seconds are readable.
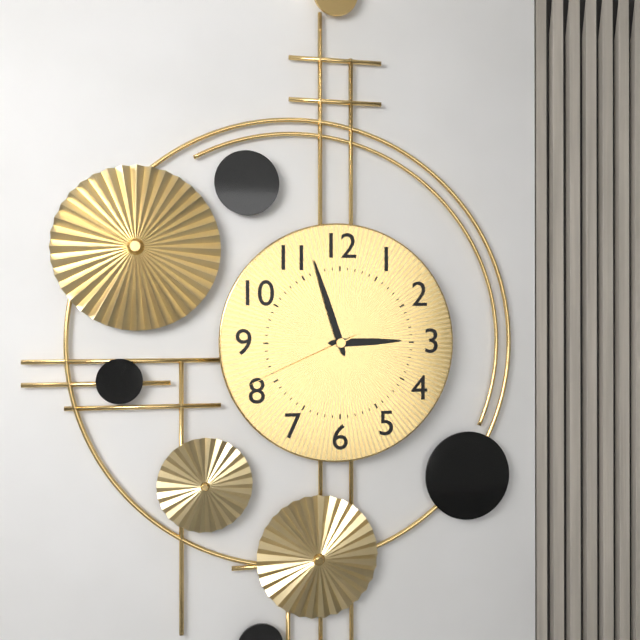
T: 2.57.41
